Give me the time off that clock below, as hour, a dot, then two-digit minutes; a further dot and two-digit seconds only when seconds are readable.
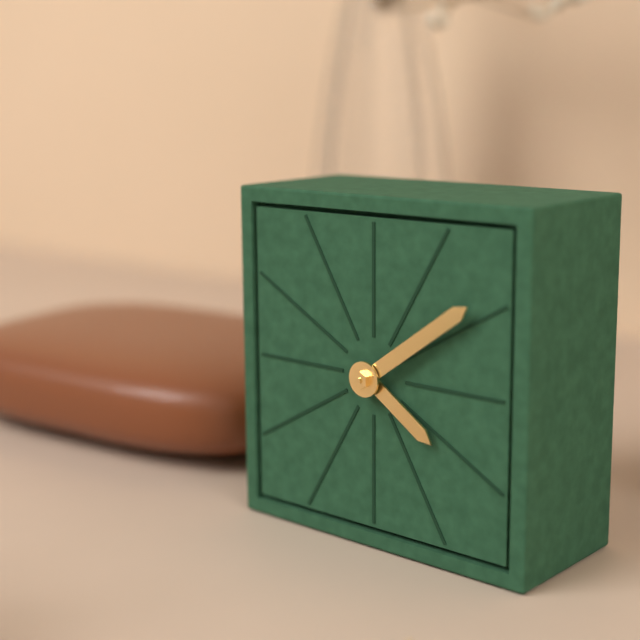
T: 4.09
